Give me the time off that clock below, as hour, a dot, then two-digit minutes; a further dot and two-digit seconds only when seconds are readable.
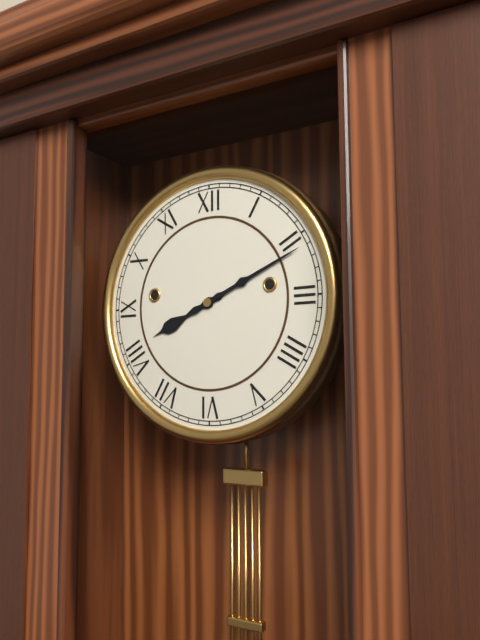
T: 8.11
